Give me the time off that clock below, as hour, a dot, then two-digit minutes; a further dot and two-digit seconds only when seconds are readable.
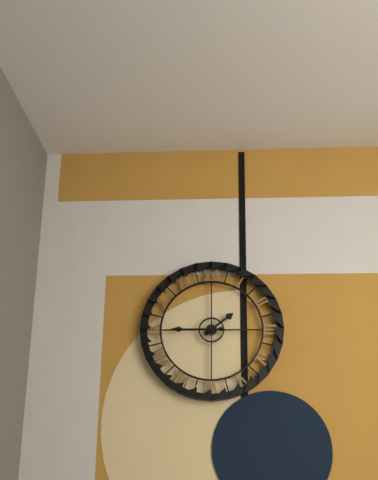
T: 1.45
